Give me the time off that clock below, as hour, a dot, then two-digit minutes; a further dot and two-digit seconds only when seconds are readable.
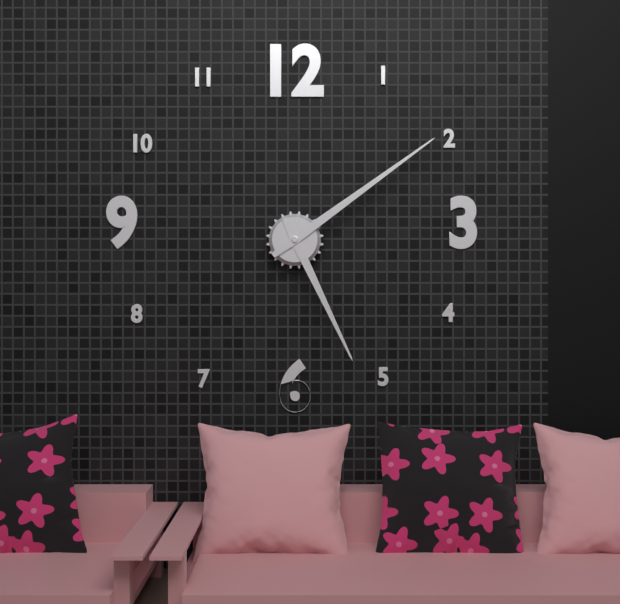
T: 5.09
